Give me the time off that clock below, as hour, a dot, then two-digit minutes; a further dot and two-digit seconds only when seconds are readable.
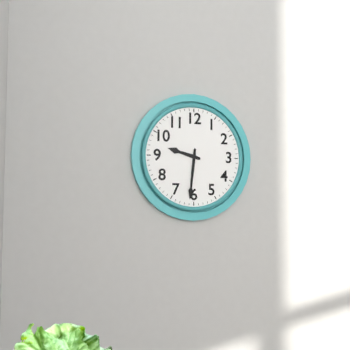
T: 9.31
